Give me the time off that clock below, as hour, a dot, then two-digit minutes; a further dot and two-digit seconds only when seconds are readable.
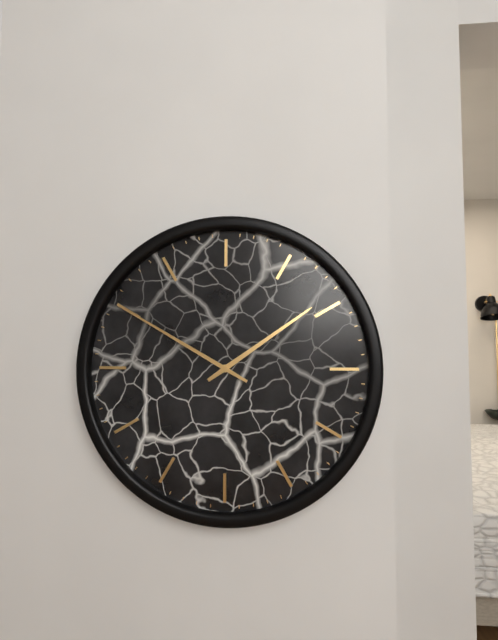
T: 1.50
